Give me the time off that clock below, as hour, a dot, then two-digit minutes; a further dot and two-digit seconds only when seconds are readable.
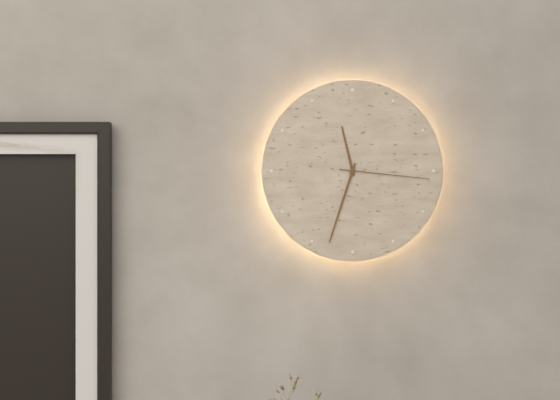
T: 11.33.16
